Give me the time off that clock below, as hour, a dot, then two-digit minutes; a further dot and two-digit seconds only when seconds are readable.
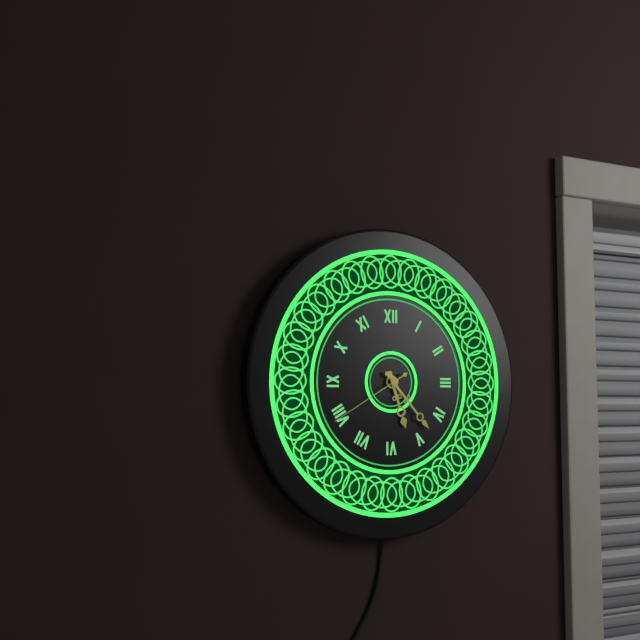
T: 5.23.40
